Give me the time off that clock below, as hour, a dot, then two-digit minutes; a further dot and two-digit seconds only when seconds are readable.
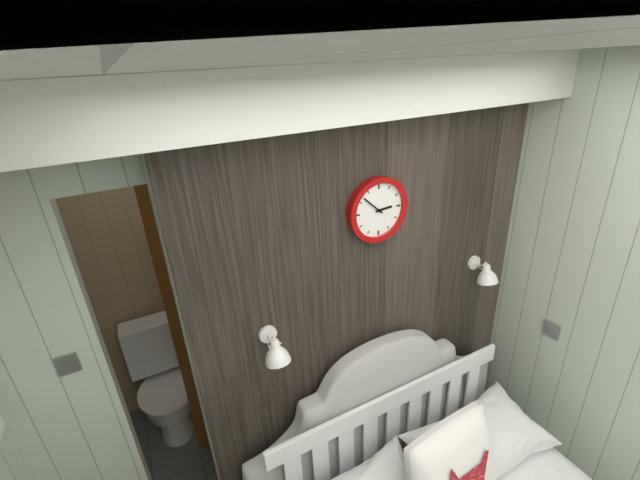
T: 2.52
